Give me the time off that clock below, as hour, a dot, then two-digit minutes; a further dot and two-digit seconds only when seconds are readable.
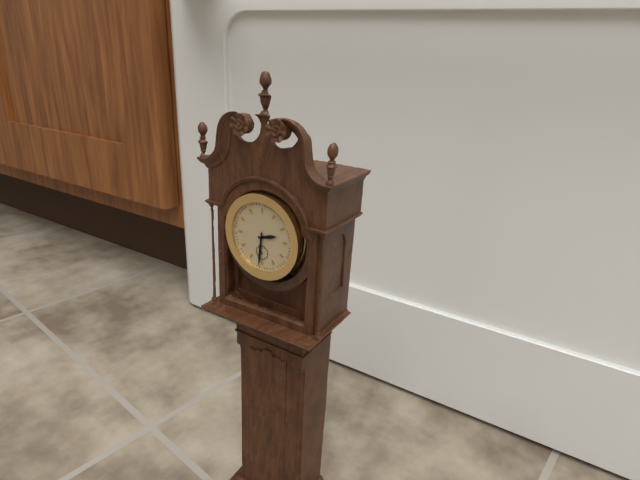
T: 2.31
